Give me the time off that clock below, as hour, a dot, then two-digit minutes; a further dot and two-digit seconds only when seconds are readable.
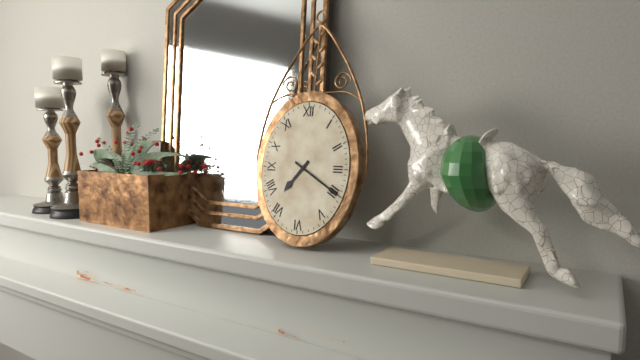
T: 7.20
